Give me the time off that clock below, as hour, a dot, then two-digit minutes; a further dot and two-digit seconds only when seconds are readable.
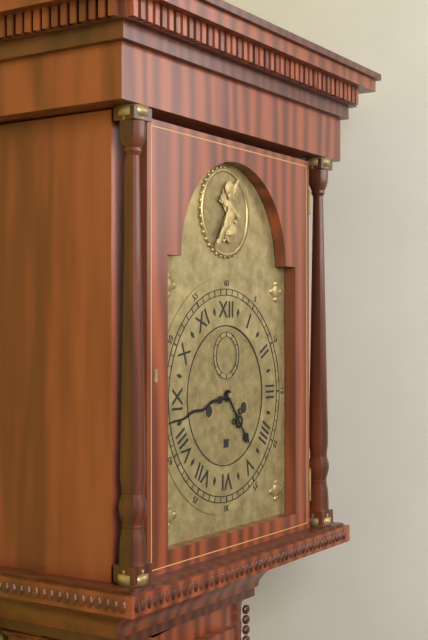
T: 4.43
